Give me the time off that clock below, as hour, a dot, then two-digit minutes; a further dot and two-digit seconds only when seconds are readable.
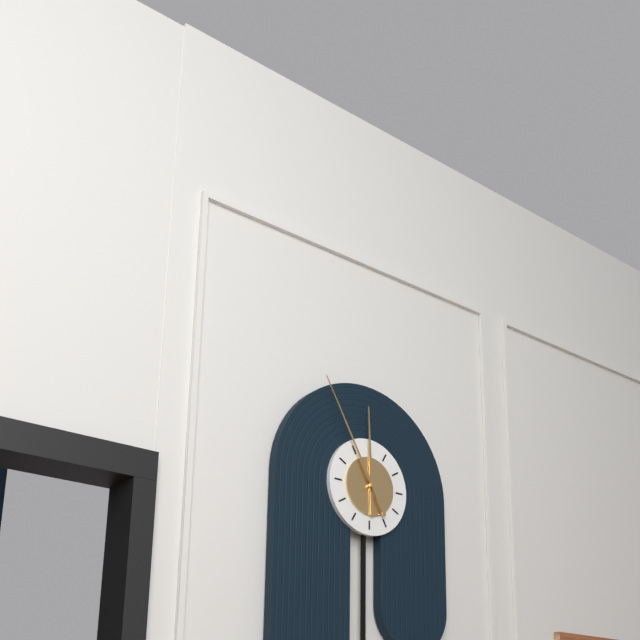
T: 11.55
